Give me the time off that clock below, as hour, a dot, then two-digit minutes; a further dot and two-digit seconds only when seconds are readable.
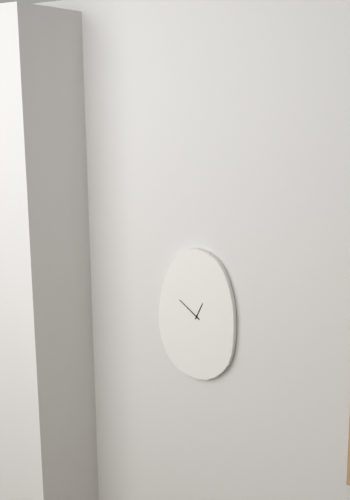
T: 12.51
